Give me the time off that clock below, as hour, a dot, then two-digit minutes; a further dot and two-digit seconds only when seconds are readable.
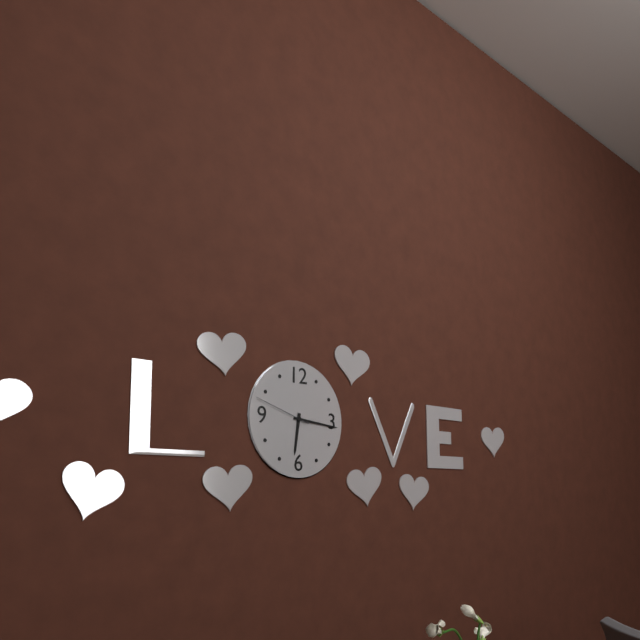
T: 6.16.48
